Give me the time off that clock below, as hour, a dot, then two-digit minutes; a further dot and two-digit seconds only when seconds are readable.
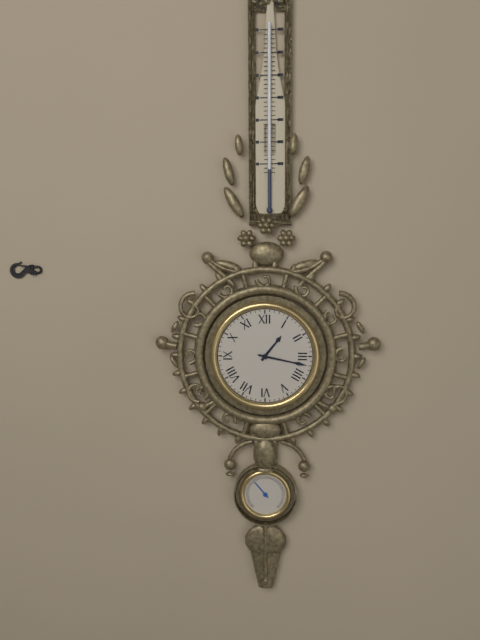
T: 1.17
